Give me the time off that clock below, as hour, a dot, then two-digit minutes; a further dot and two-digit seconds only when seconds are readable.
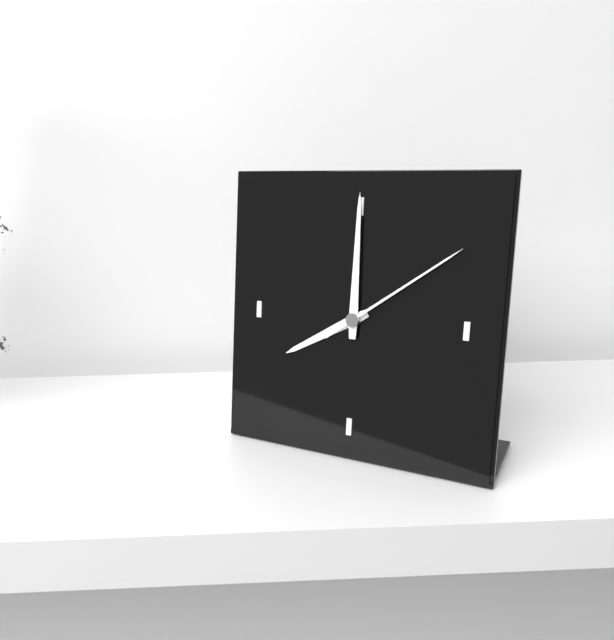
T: 8.00.09
